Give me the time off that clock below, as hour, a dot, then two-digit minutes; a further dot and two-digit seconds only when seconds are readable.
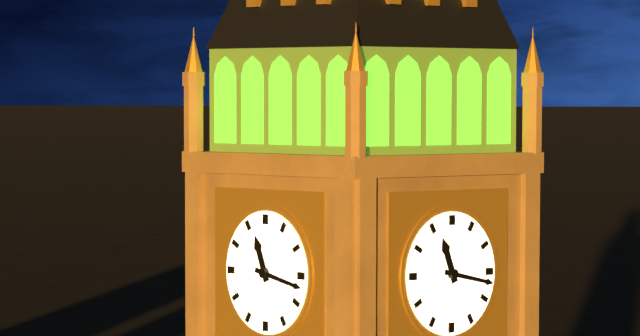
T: 11.17
